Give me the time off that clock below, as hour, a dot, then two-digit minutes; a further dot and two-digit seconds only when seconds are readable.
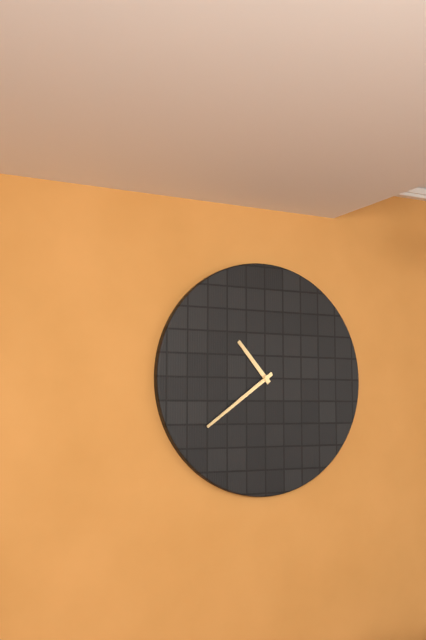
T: 10.39
